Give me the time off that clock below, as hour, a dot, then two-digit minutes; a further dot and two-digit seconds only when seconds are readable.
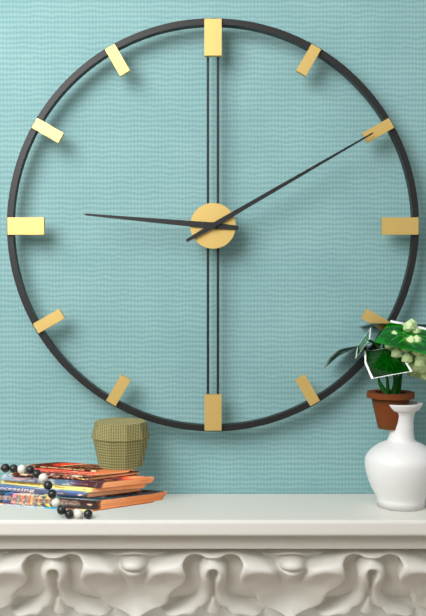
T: 9.10
